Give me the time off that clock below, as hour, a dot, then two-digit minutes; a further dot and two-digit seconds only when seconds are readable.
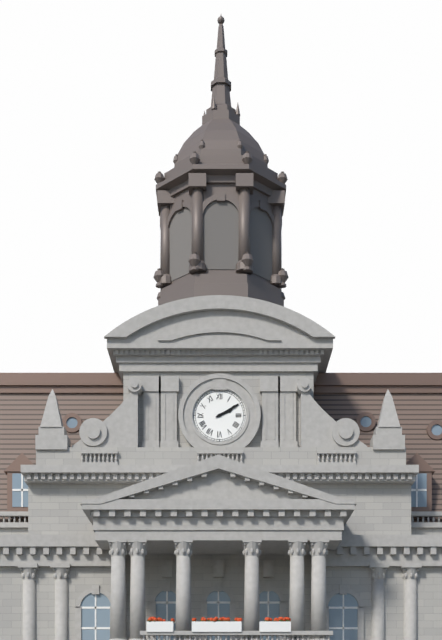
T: 2.10
